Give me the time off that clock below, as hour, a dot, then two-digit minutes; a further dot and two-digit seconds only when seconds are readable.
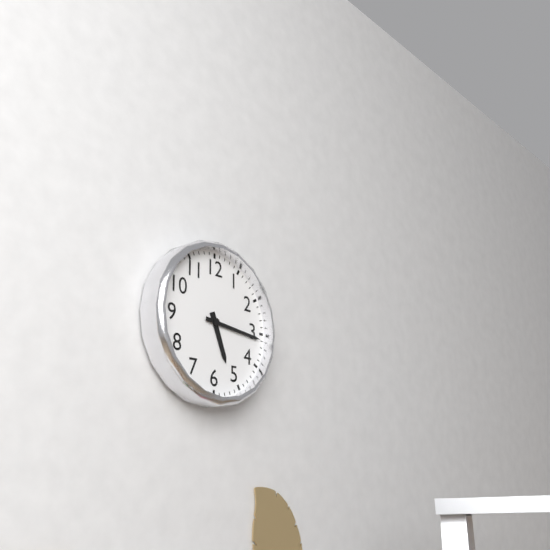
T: 5.16
